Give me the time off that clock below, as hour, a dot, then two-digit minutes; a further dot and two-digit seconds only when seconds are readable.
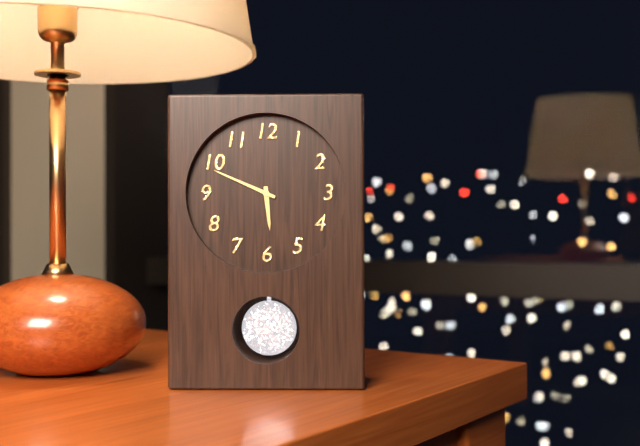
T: 5.49
